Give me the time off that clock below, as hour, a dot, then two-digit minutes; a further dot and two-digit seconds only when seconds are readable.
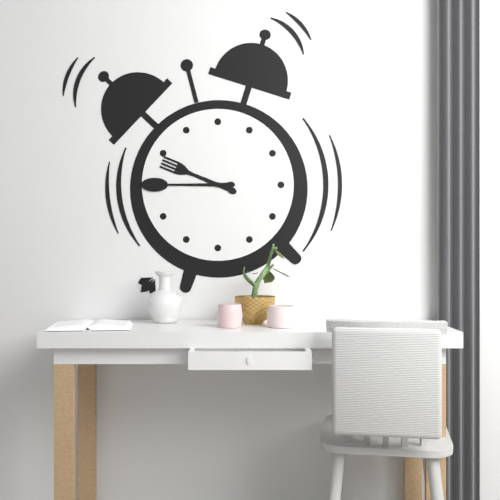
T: 9.45
